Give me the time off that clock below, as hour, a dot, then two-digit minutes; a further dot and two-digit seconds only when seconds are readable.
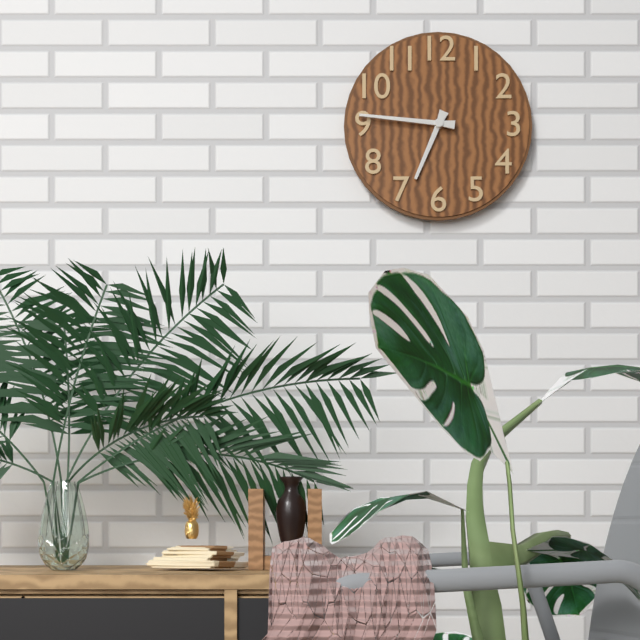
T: 6.46
